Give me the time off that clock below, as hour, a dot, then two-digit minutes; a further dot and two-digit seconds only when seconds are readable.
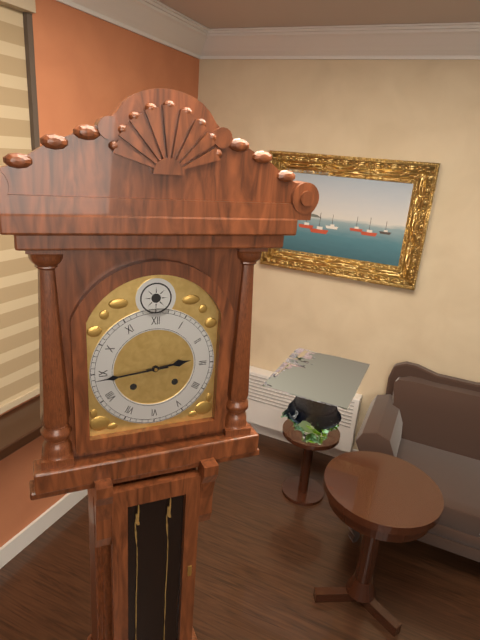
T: 2.44
